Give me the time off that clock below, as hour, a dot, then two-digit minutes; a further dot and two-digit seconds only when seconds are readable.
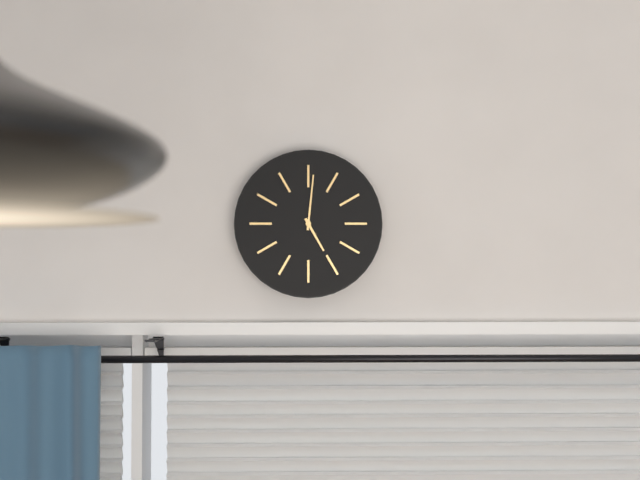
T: 5.01
